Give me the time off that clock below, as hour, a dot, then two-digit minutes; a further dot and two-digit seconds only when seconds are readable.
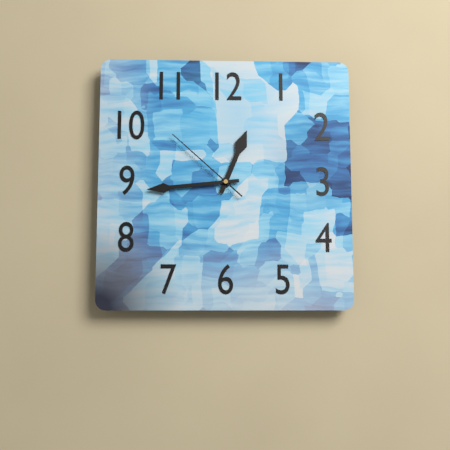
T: 12.44.52
